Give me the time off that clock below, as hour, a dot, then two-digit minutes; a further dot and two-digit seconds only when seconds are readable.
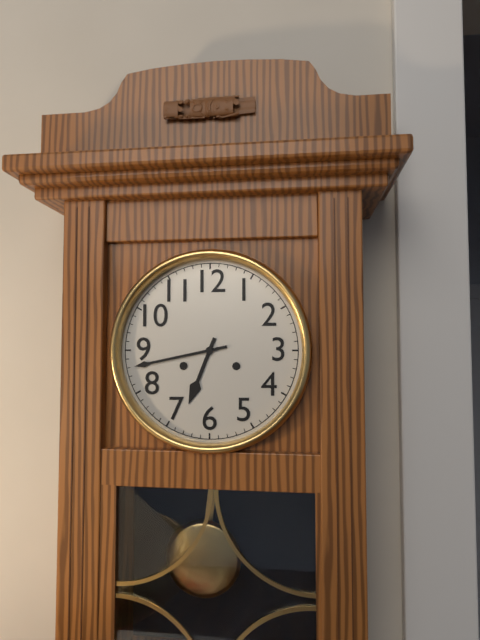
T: 6.43
